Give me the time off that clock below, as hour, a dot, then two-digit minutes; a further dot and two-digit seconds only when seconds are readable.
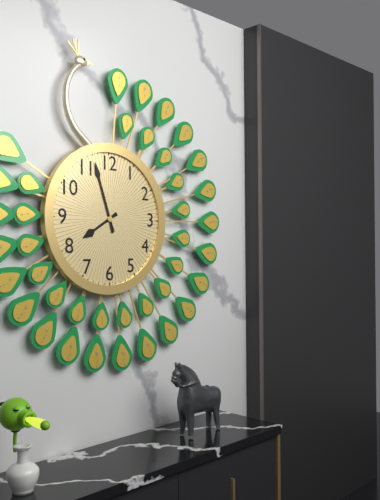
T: 7.57
